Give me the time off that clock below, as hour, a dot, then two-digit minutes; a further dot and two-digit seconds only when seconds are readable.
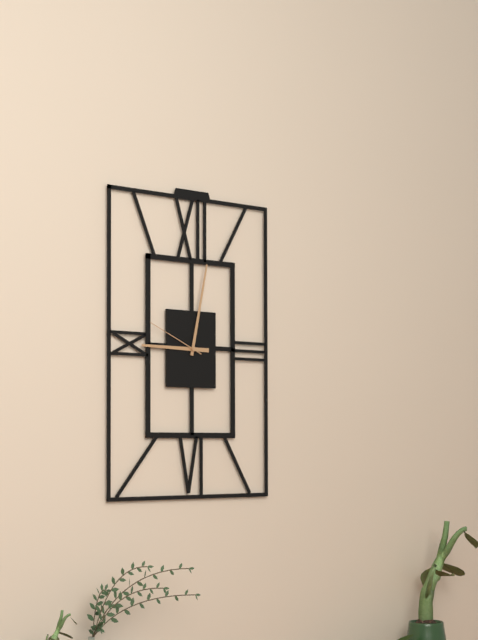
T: 9.02.49
